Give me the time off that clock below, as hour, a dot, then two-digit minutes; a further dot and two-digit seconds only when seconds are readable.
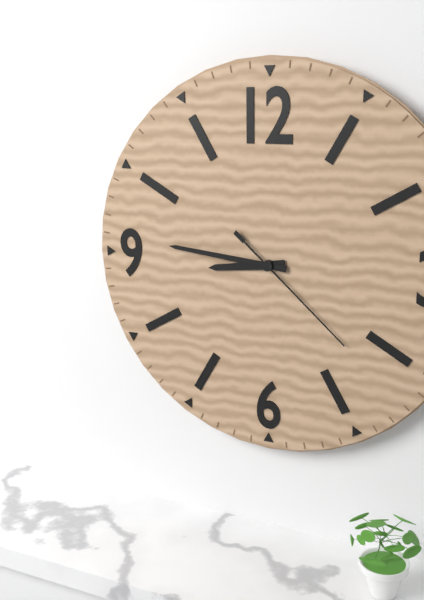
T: 8.46.22
